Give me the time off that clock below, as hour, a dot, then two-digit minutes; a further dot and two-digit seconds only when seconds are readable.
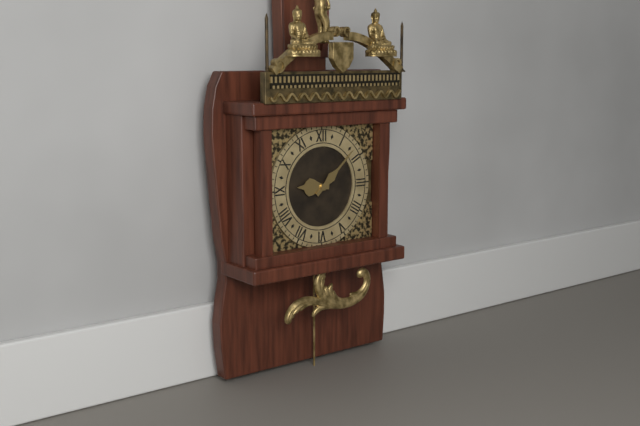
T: 9.08
